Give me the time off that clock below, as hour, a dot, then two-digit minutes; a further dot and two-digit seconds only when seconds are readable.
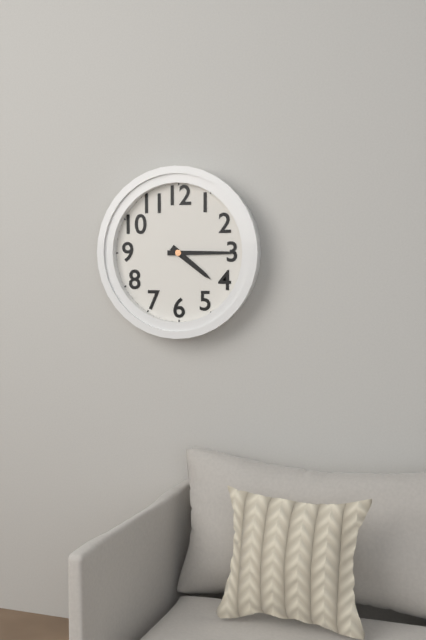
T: 4.15
